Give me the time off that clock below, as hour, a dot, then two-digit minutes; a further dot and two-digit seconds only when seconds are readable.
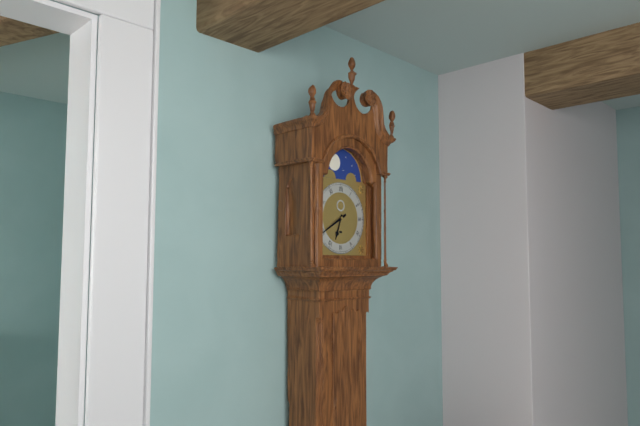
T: 6.40
